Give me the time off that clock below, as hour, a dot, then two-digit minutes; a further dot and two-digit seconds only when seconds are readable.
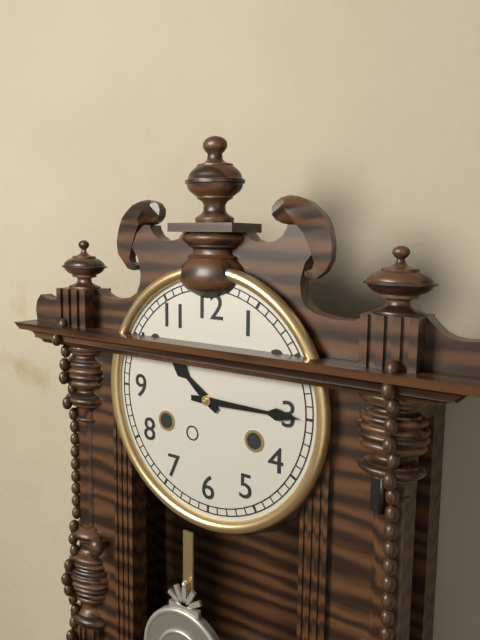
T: 10.15
